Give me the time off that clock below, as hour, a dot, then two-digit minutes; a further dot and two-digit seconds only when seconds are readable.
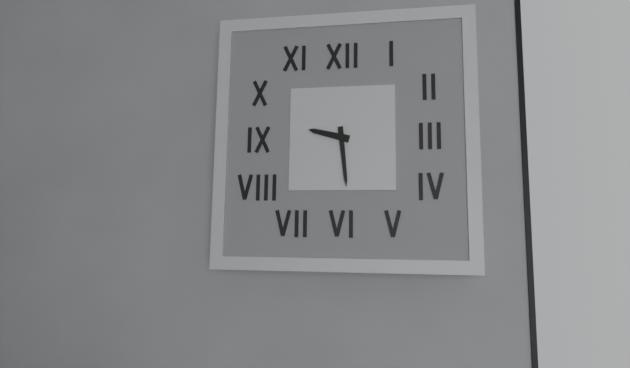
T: 9.29
